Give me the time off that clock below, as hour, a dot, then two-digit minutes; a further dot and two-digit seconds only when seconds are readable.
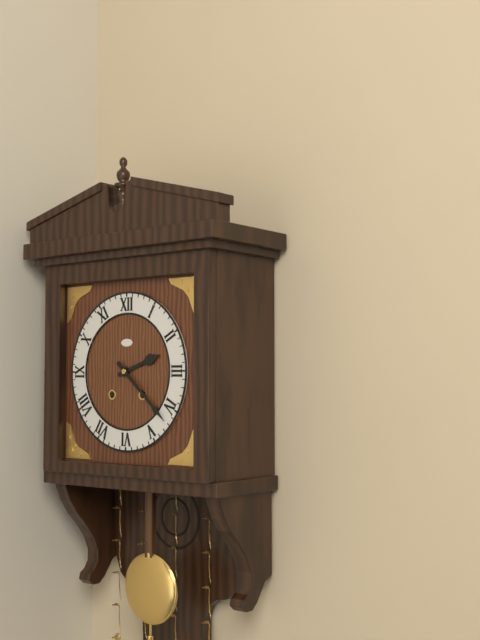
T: 2.22
